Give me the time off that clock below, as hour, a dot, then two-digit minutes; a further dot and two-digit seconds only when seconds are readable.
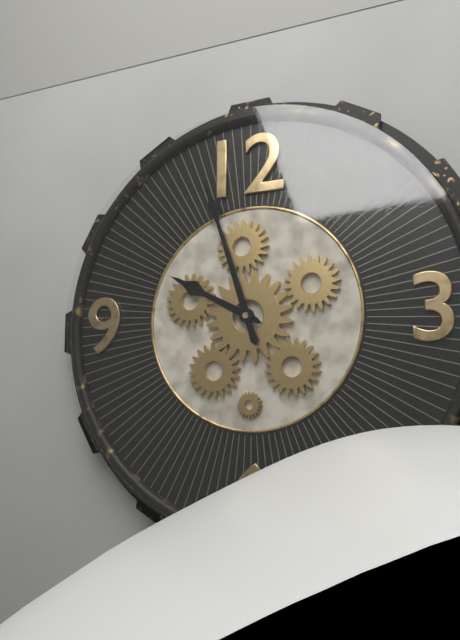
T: 9.57
